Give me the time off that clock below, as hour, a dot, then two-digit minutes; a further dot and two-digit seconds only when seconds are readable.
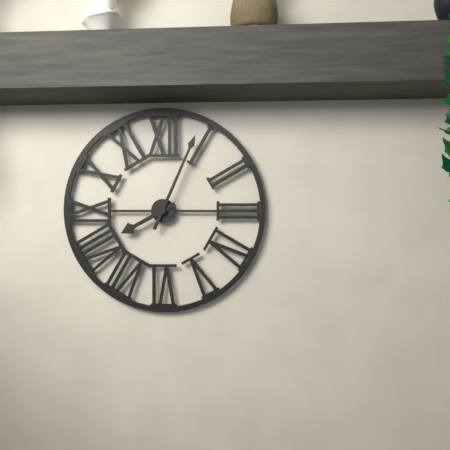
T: 8.04
